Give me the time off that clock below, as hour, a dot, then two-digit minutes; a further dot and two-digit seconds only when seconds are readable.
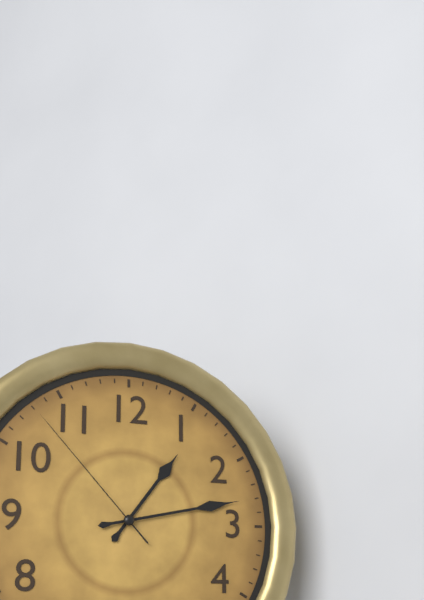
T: 1.13.53
